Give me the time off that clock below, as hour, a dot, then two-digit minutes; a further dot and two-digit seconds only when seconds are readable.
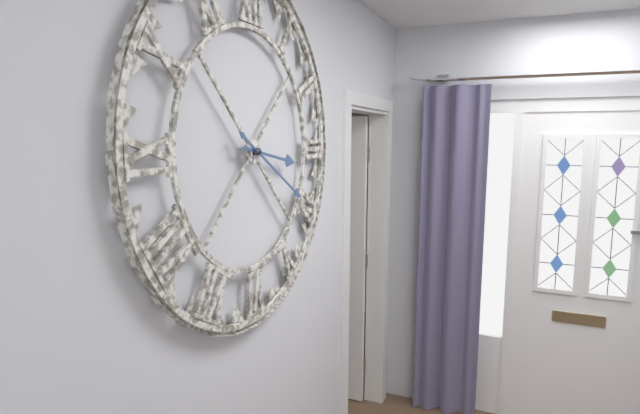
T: 3.20
